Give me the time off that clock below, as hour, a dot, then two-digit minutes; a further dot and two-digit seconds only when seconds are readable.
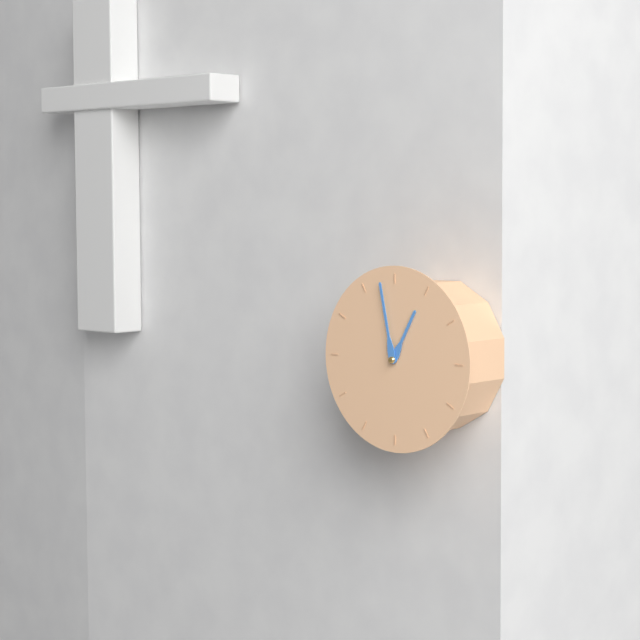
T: 12.58
